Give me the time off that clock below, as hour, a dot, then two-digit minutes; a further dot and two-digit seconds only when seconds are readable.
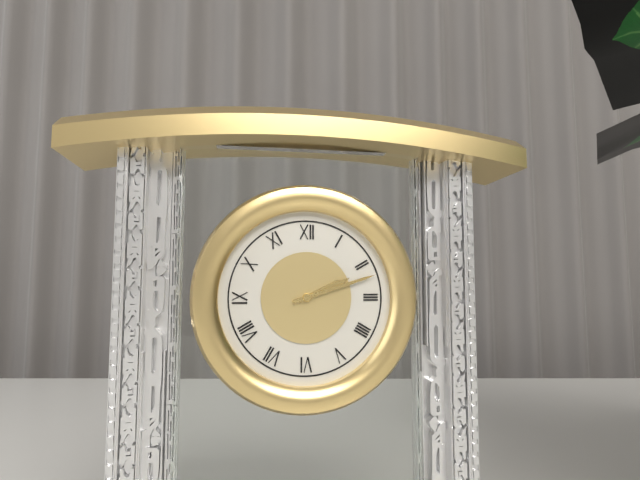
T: 2.12
